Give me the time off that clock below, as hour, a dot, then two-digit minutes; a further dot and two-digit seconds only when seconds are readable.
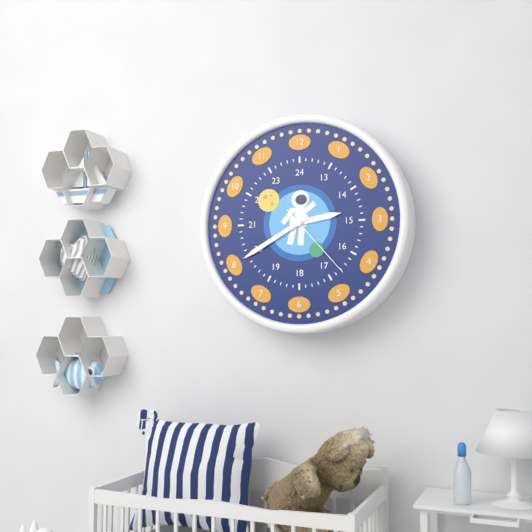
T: 2.40.23
